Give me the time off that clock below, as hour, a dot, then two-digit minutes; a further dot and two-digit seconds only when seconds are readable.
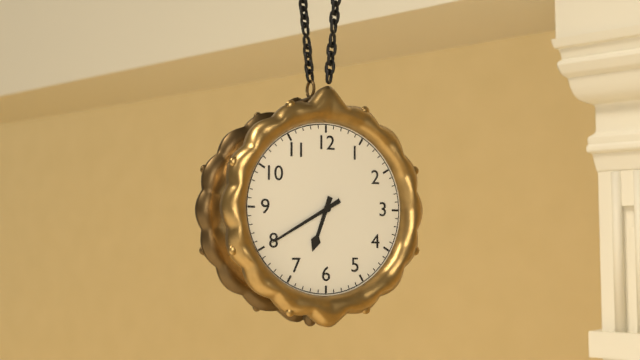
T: 6.40
